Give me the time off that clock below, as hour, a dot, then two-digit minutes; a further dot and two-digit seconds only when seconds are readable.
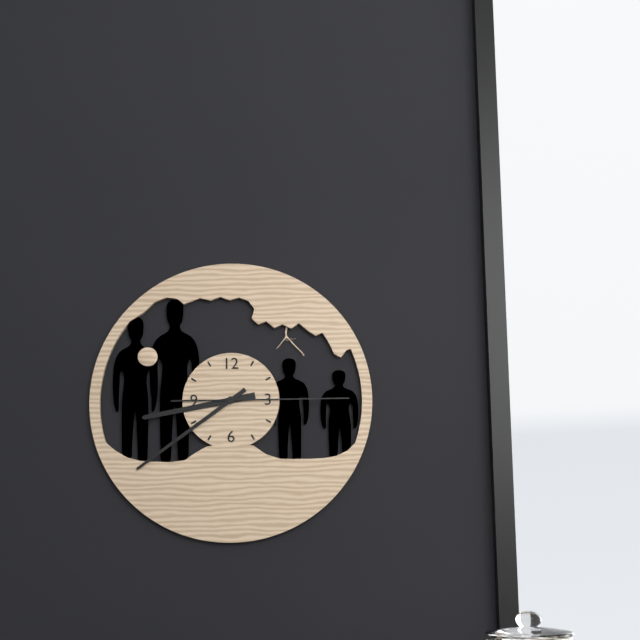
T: 8.39.15
